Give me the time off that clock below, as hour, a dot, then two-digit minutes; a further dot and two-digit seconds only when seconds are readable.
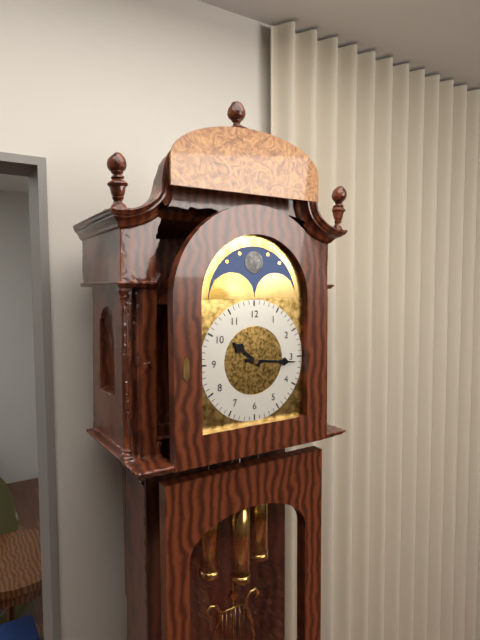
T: 10.16
